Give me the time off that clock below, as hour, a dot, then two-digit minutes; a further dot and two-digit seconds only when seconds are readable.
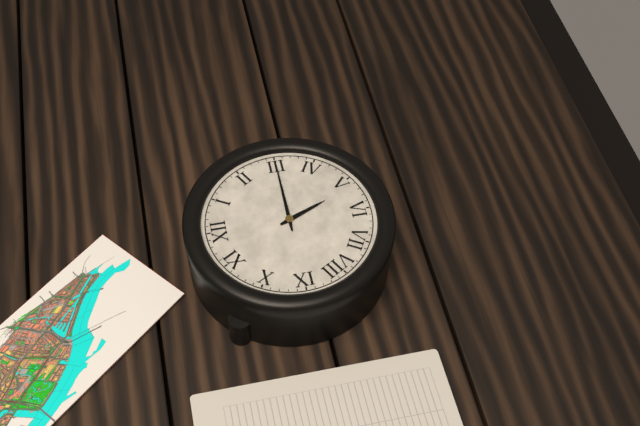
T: 5.15
